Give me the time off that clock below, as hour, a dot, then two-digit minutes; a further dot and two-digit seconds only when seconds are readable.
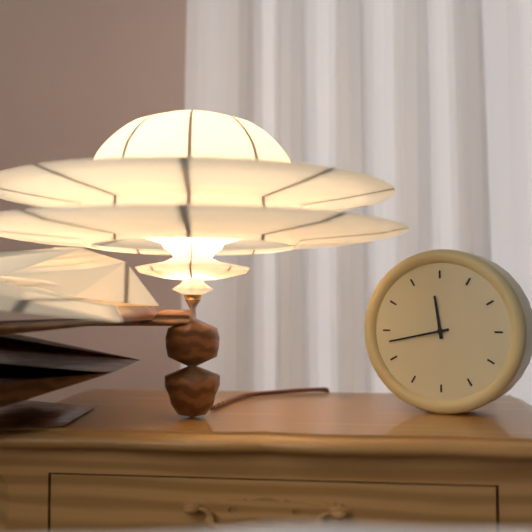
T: 11.43
